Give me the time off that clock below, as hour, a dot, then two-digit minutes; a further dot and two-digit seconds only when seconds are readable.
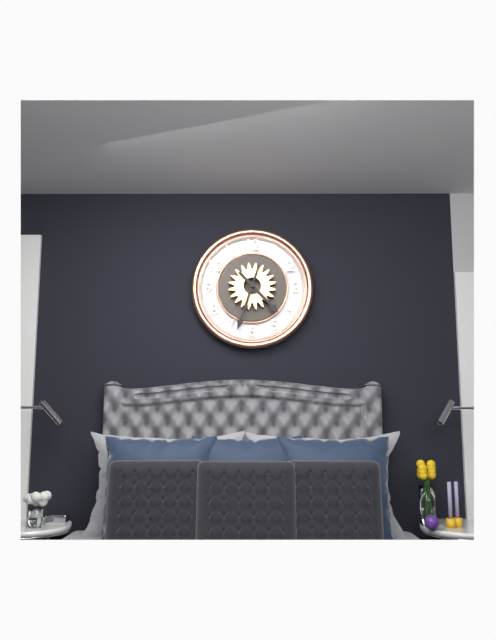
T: 4.33
